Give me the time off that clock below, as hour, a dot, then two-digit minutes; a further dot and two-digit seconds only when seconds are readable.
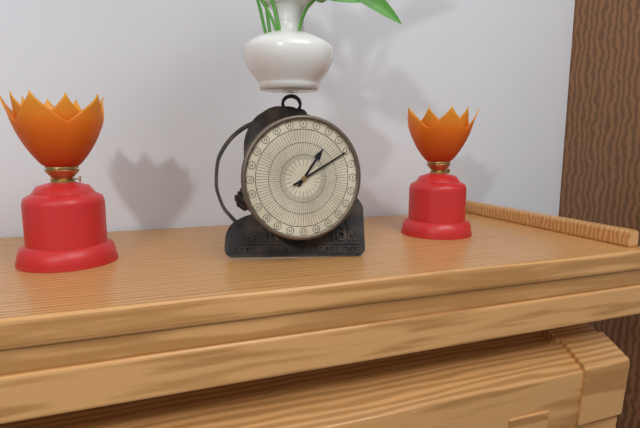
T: 1.10
